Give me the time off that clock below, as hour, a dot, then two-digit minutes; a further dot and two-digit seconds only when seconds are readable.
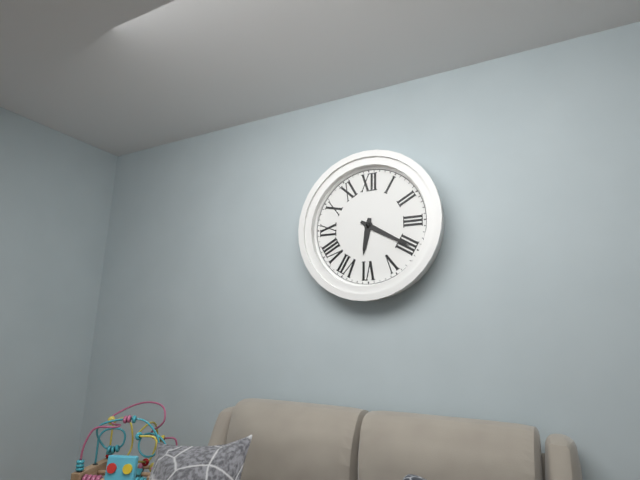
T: 6.20
